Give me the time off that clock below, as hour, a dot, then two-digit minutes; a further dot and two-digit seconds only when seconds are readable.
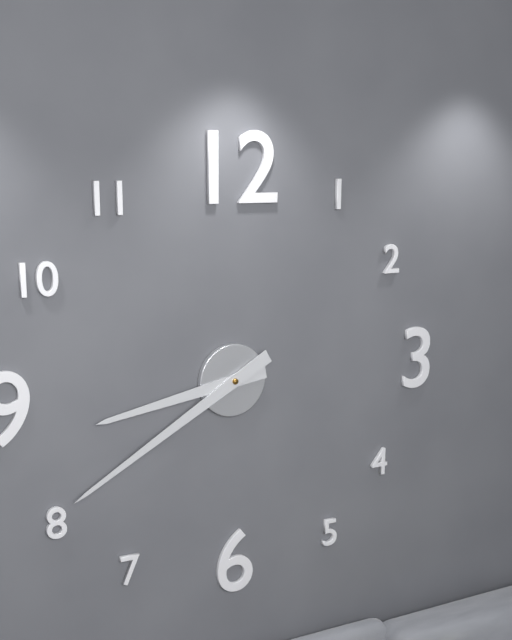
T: 8.40
